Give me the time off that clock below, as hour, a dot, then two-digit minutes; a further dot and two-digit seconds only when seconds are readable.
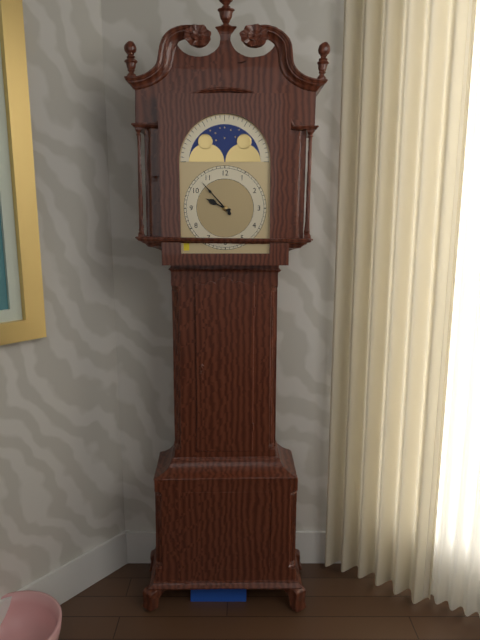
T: 9.53
